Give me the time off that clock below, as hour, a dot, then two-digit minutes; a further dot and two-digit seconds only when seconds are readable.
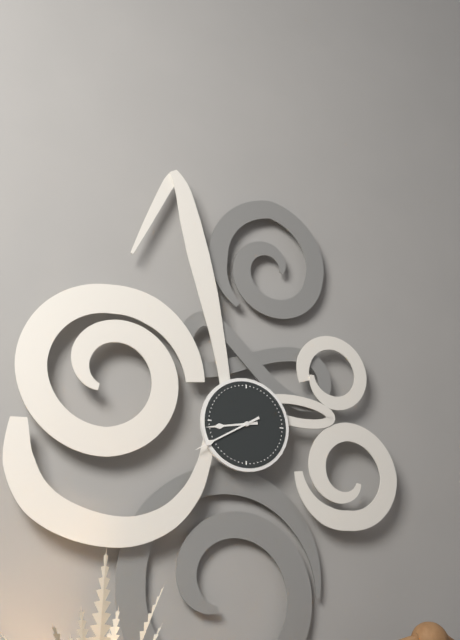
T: 8.40
